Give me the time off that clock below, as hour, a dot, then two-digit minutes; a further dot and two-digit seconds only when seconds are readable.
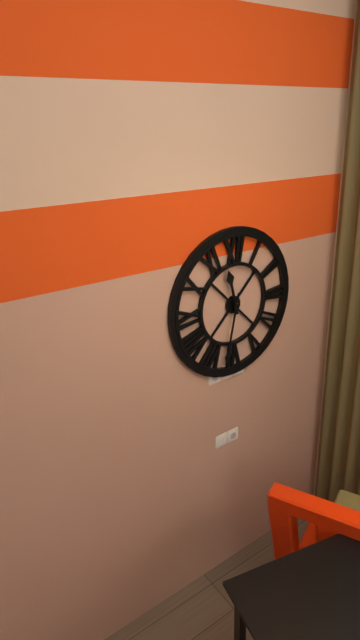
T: 11.32
